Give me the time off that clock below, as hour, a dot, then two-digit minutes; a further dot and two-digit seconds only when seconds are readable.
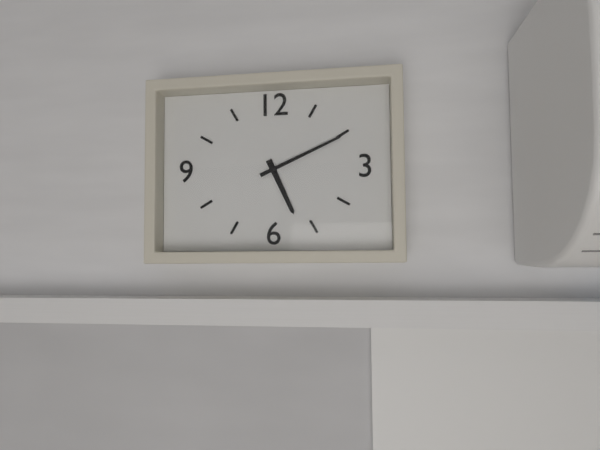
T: 5.11
